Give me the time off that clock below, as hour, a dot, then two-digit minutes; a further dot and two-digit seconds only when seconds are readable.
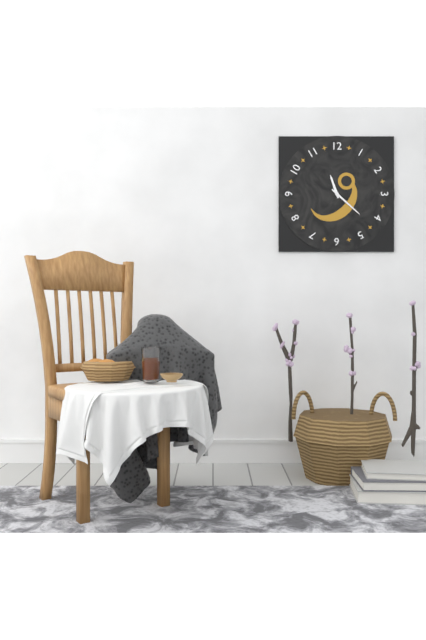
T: 11.22
